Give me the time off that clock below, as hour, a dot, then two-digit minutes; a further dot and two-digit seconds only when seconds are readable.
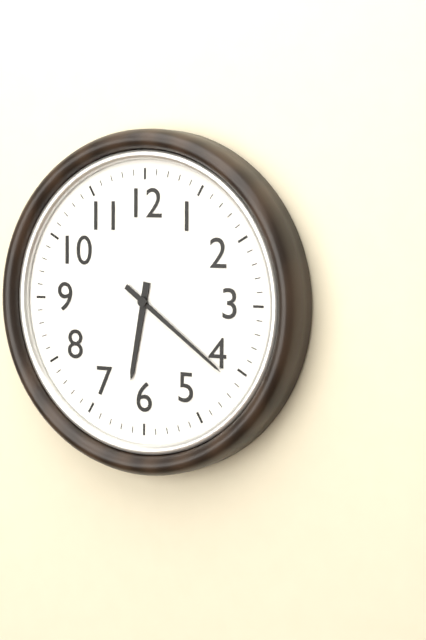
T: 6.21
